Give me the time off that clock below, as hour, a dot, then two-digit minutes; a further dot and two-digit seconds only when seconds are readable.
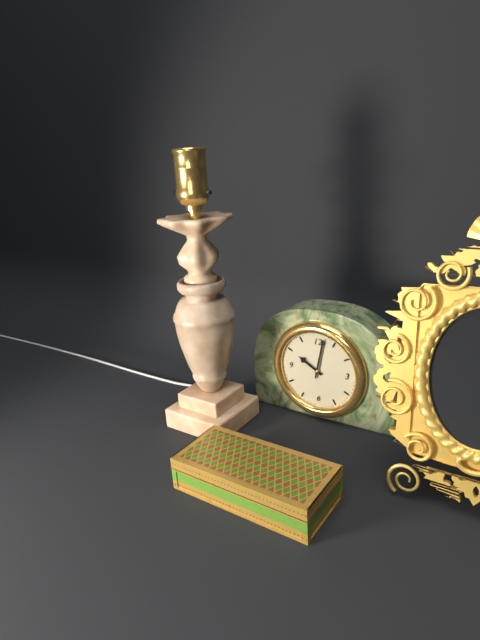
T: 10.02
